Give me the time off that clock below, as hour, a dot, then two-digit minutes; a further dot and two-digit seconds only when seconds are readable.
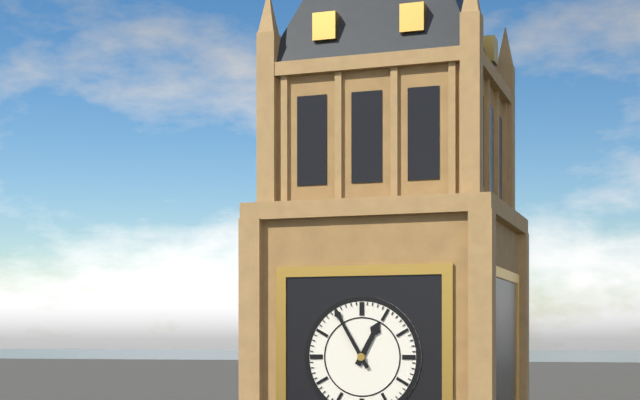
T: 12.55
